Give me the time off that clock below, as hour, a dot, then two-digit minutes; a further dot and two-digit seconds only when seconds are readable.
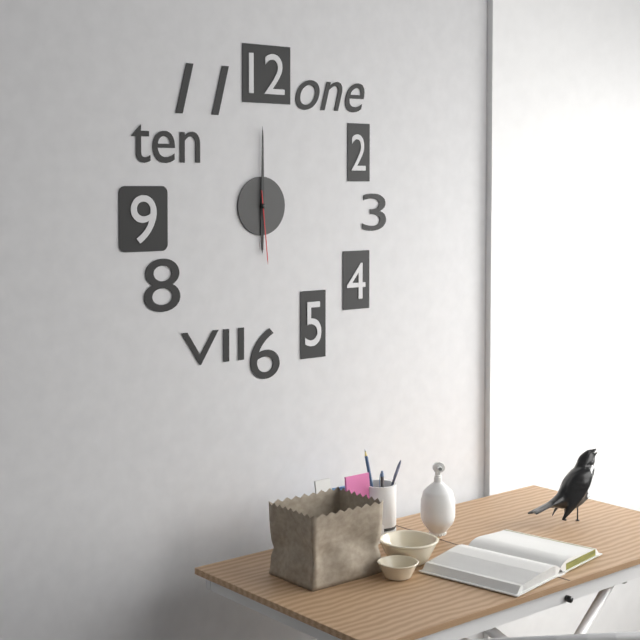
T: 6.00.29
